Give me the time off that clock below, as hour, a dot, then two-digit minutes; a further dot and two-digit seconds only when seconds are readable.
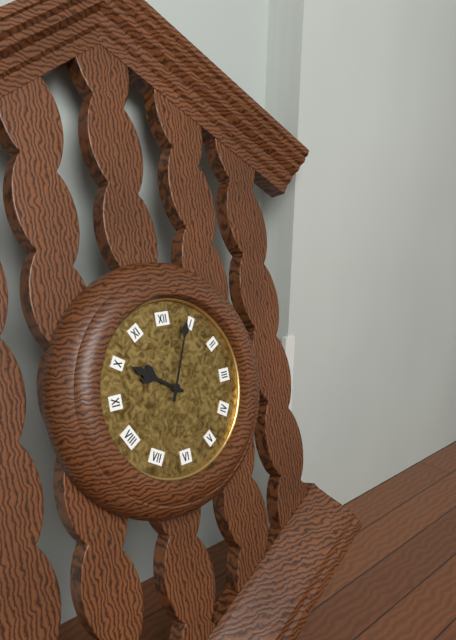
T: 10.04
